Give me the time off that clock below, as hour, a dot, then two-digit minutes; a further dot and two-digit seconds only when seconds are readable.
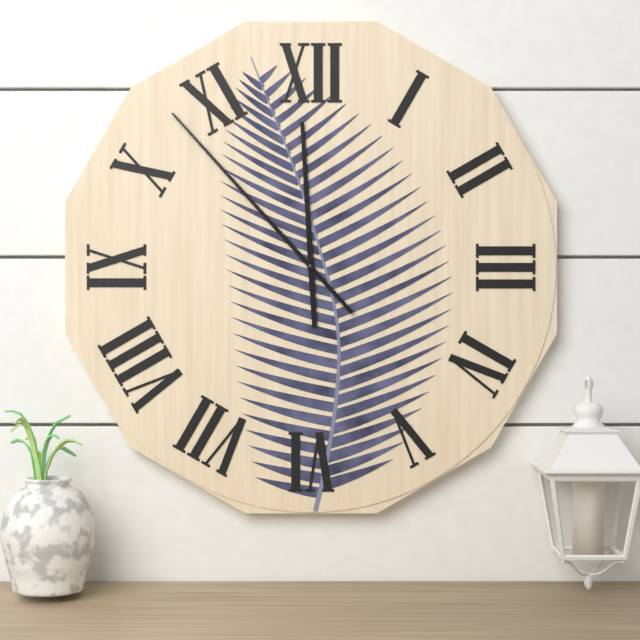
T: 11.53
